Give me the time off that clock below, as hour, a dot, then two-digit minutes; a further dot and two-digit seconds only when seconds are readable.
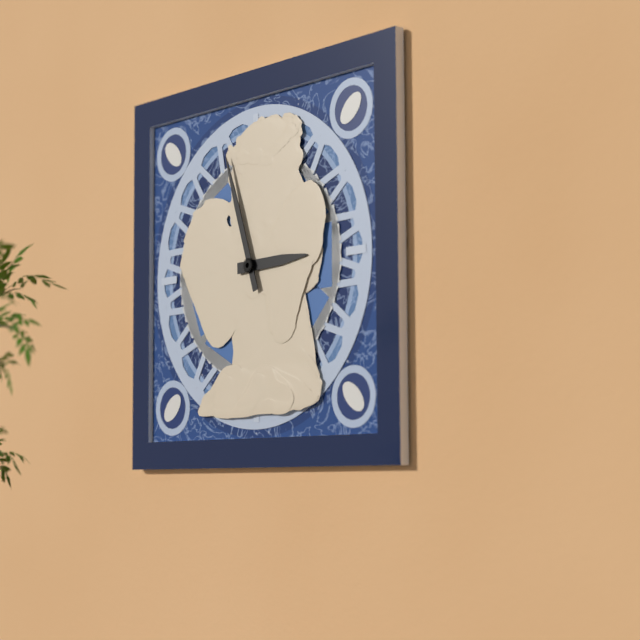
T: 2.57
